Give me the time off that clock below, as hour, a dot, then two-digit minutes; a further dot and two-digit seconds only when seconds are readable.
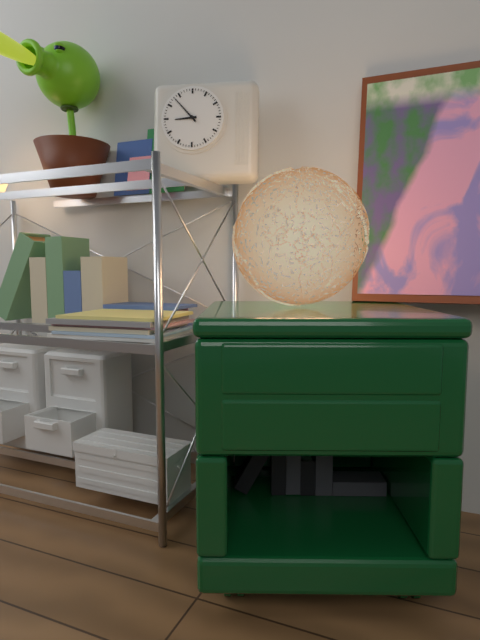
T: 8.53
